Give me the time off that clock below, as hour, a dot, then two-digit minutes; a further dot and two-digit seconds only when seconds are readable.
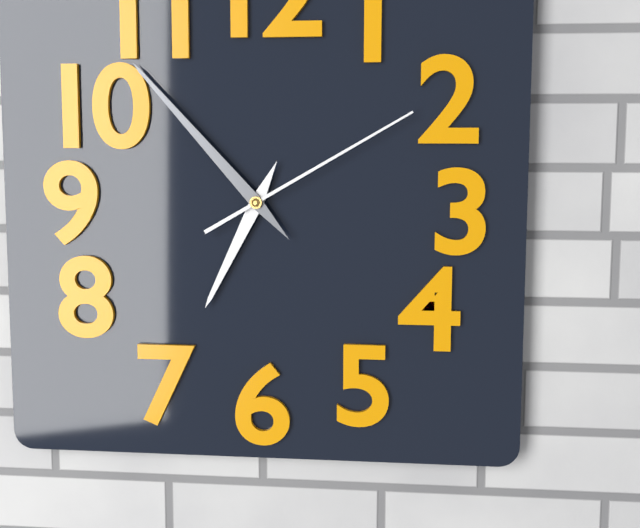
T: 6.53.10
